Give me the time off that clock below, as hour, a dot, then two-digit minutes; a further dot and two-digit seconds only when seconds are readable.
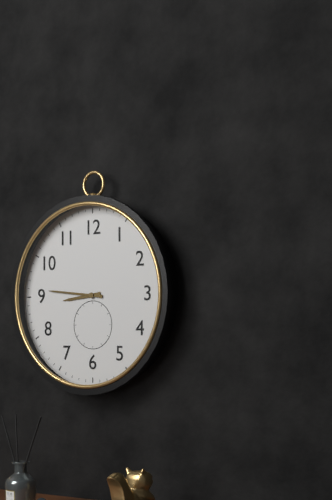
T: 8.46
